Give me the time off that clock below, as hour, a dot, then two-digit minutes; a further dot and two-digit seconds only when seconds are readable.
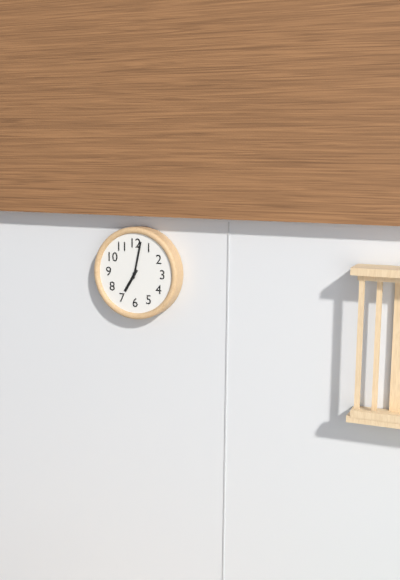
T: 7.02
